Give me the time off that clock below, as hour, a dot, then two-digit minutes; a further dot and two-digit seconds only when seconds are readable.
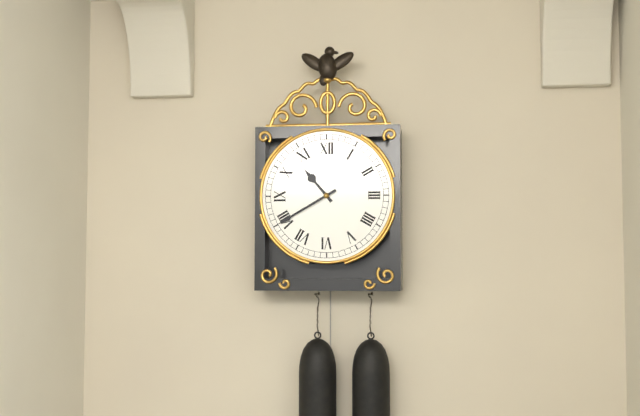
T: 10.40
